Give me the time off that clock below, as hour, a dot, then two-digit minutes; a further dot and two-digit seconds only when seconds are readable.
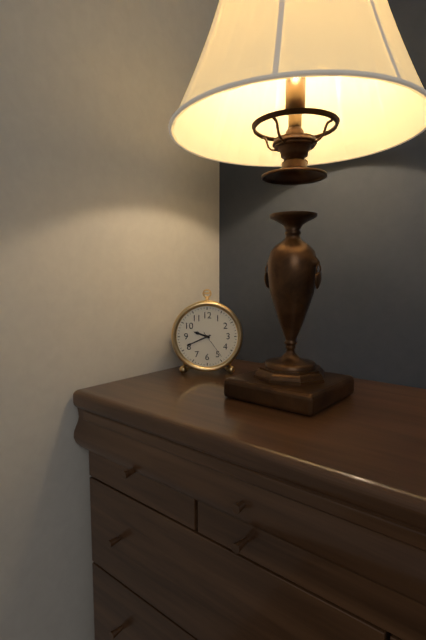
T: 9.41
